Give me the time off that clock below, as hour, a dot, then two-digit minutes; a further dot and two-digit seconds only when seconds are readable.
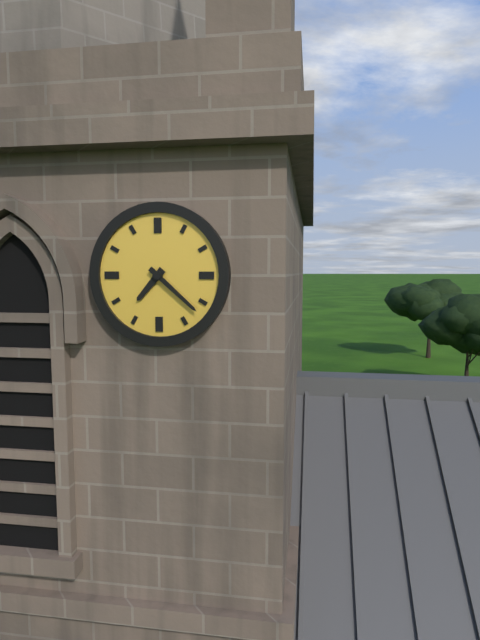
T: 7.22
